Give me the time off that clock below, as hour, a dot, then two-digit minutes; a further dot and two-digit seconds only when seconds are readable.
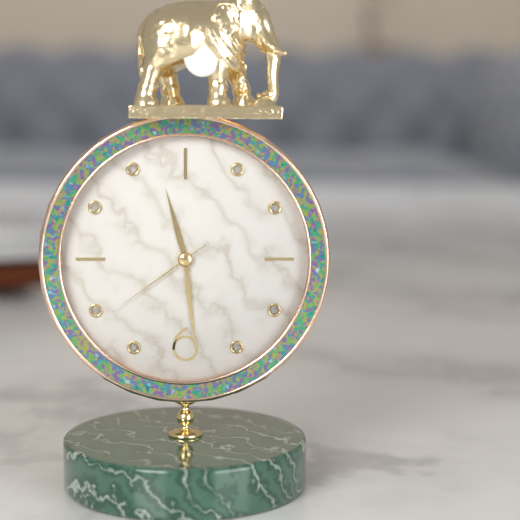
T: 11.29.39
